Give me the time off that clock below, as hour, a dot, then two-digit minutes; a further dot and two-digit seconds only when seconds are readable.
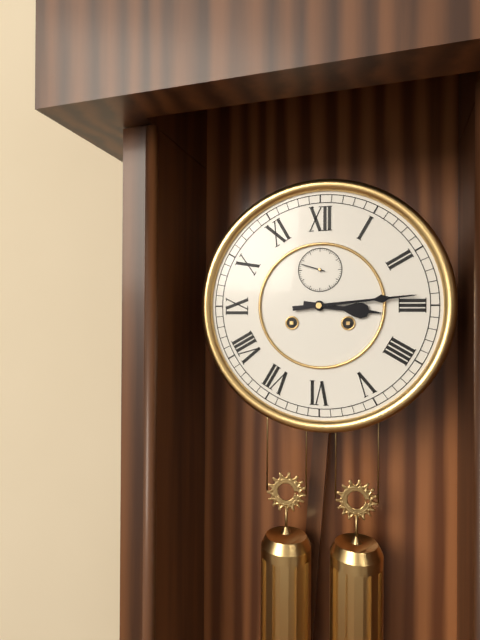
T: 3.14
